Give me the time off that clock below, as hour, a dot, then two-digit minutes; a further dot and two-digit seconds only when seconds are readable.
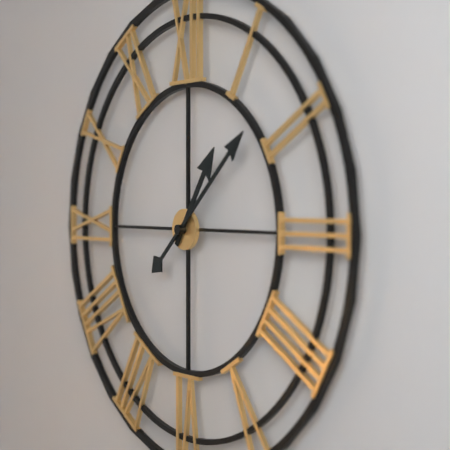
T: 1.08
